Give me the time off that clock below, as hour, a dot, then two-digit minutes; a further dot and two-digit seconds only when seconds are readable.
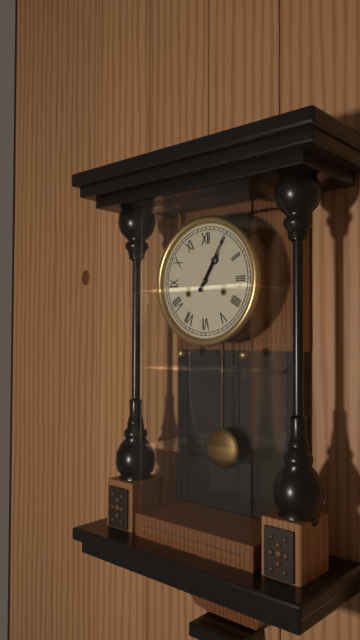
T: 1.05
